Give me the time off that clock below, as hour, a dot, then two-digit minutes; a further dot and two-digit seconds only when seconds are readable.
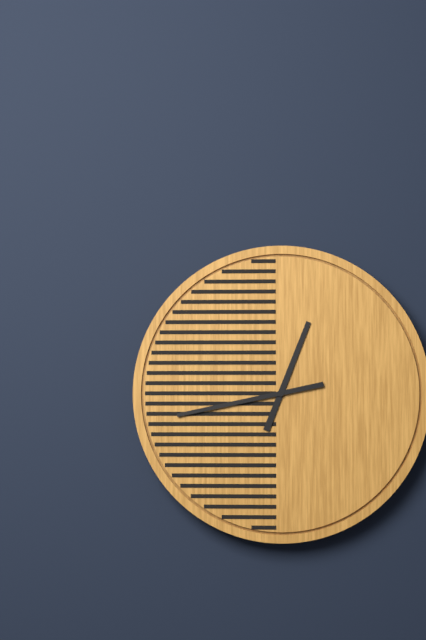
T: 12.43
